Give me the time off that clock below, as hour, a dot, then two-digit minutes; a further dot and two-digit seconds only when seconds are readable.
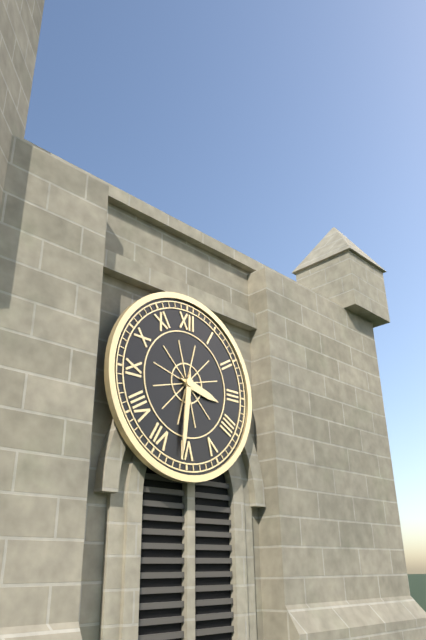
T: 3.31
